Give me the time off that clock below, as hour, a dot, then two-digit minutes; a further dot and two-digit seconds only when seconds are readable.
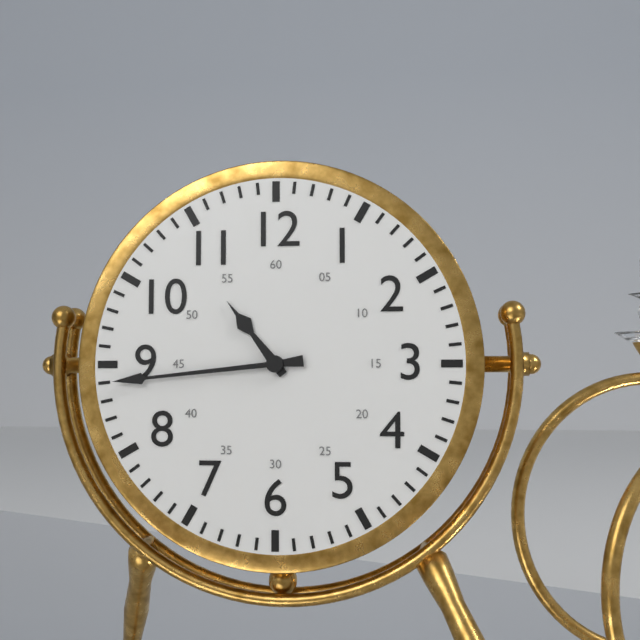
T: 10.44
